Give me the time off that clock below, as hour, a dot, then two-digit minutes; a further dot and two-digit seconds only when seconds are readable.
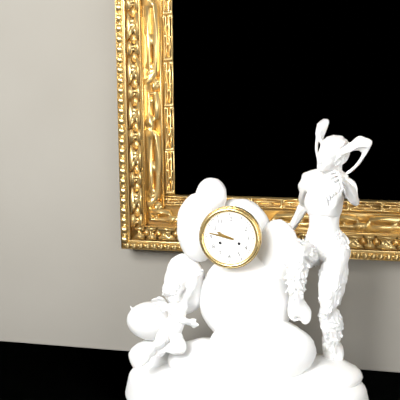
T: 9.47
